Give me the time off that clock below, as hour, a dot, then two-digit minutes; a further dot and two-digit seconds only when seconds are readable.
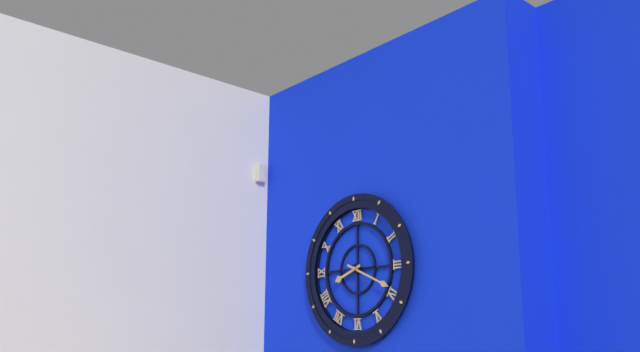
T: 8.19
